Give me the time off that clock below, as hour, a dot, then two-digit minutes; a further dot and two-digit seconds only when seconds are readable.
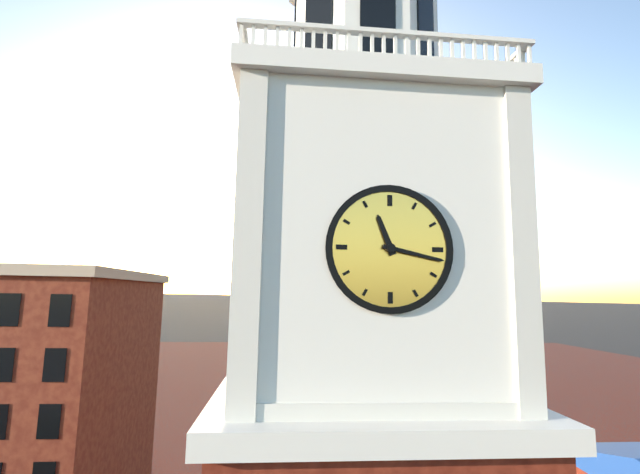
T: 11.17
